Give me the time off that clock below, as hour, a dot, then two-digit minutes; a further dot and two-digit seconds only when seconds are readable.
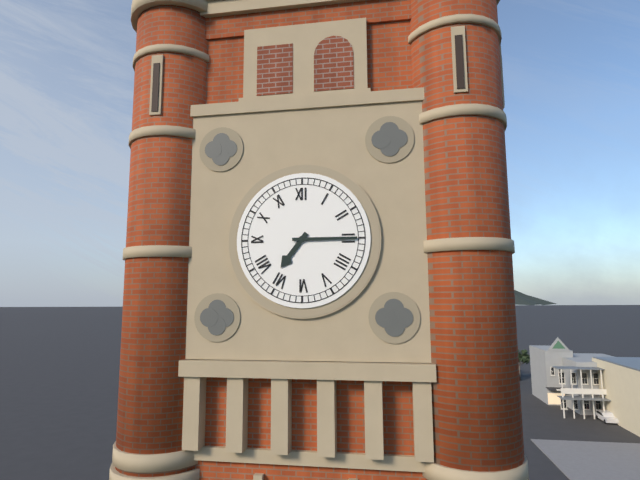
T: 7.15
